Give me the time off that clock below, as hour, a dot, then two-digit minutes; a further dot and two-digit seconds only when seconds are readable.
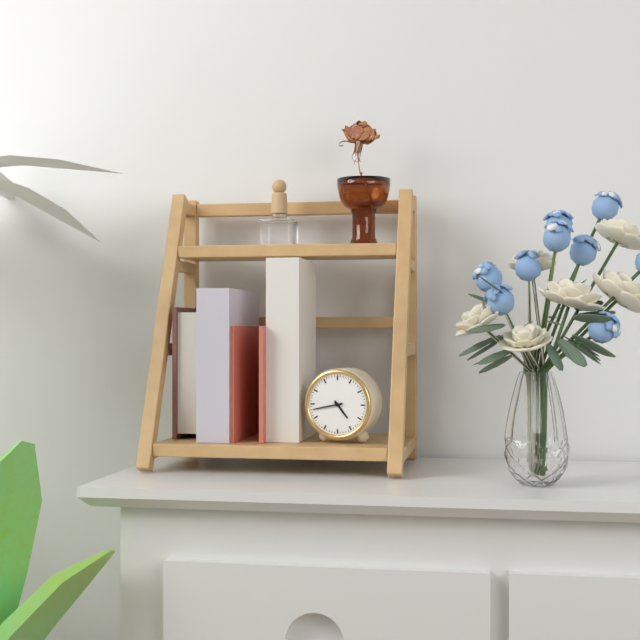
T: 4.43
